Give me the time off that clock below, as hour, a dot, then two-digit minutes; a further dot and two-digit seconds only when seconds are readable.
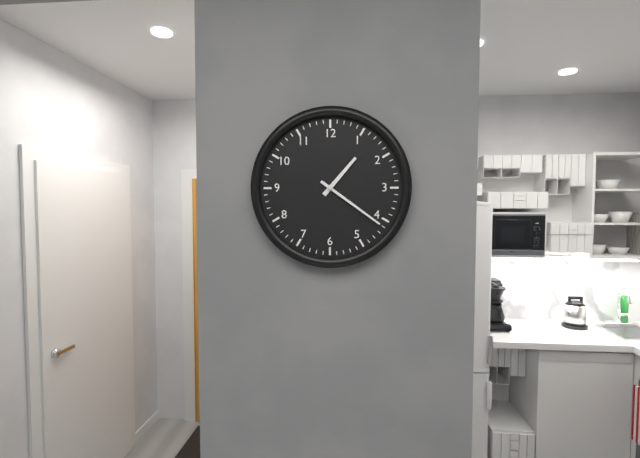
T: 1.21
